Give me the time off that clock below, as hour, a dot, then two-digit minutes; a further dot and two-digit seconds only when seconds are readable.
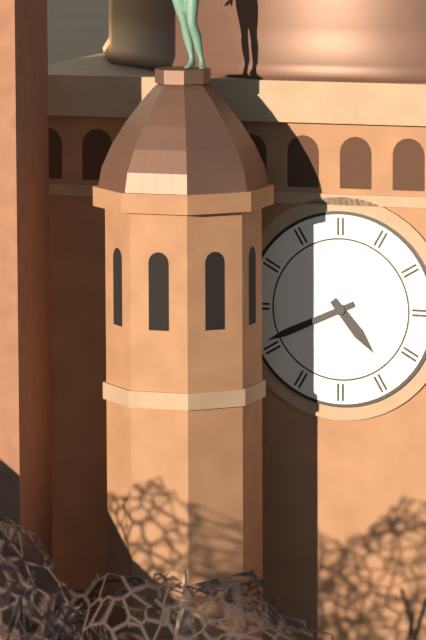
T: 4.41
